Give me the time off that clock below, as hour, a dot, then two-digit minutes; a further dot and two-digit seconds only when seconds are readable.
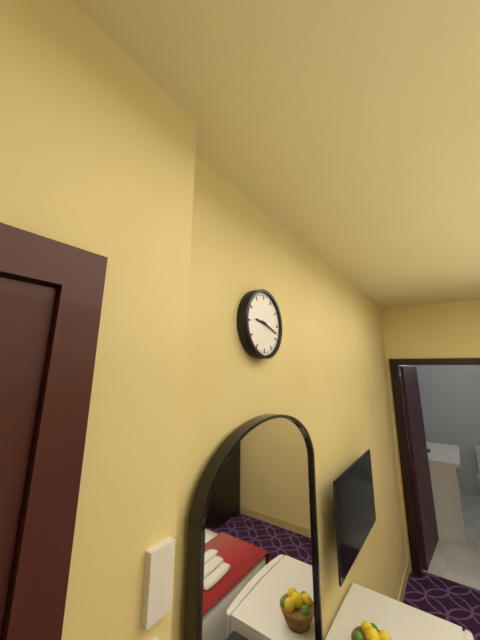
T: 9.18
